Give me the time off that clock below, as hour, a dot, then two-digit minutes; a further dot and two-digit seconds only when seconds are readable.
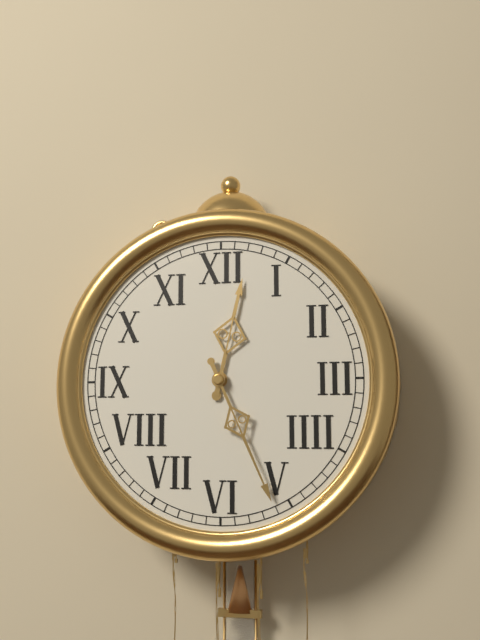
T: 12.26
